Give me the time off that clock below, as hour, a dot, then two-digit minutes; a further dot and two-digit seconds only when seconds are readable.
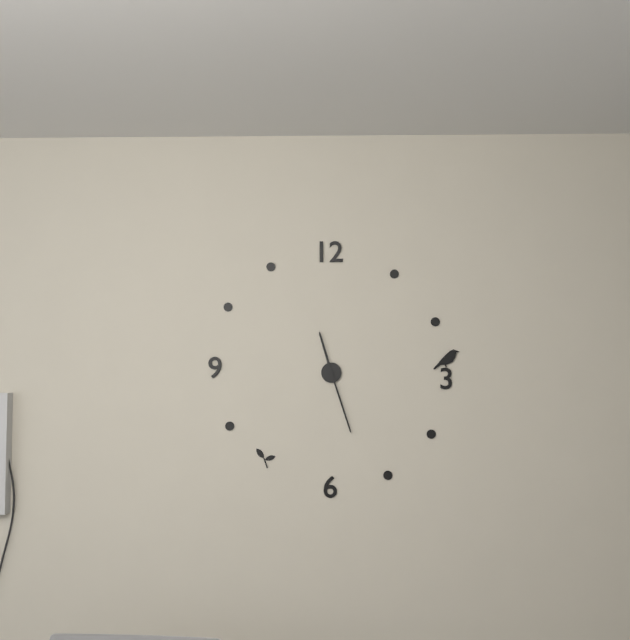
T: 11.27
